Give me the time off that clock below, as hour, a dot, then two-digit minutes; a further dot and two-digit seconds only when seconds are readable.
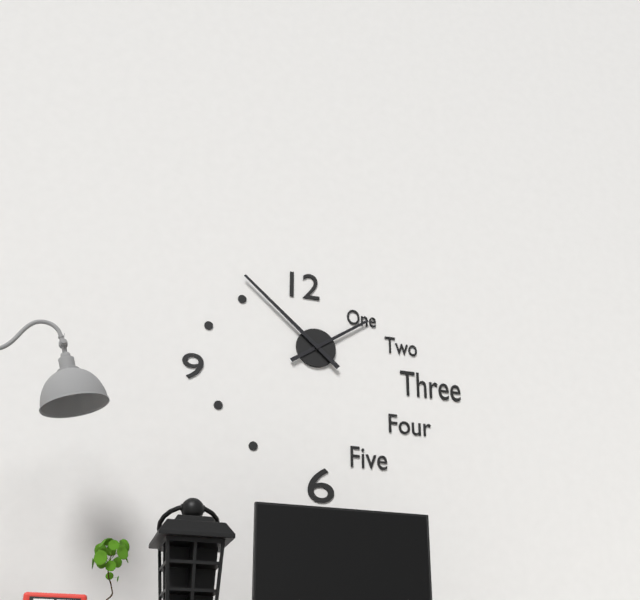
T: 1.52
